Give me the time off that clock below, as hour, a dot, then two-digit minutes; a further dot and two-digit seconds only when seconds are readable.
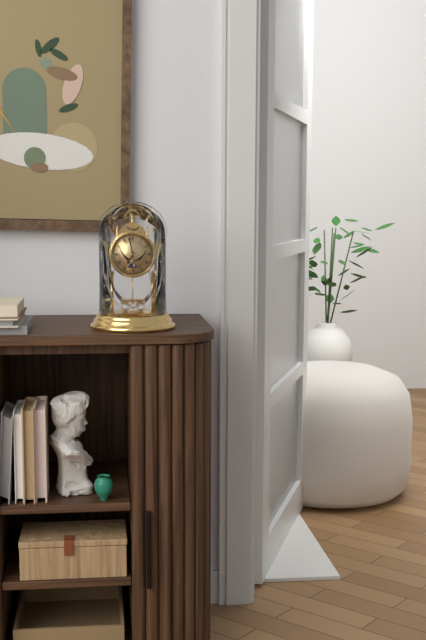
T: 6.58
